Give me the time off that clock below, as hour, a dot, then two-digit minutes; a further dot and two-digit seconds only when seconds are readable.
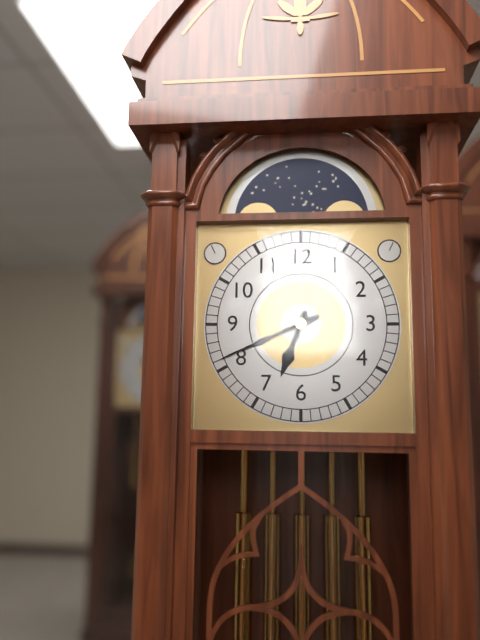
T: 6.41
